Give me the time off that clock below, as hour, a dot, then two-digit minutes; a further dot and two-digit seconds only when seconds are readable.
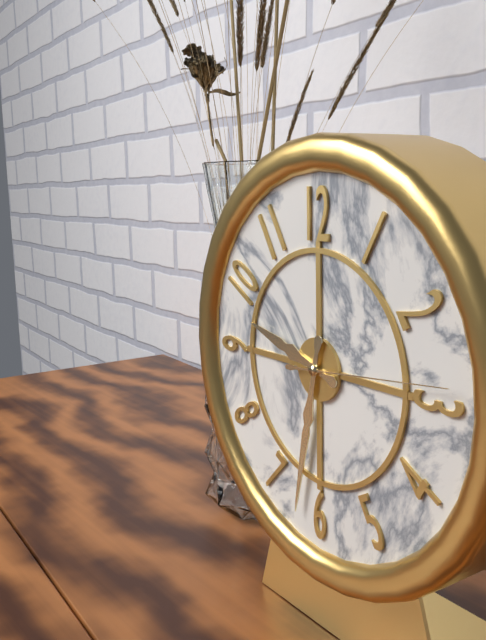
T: 9.32.14
